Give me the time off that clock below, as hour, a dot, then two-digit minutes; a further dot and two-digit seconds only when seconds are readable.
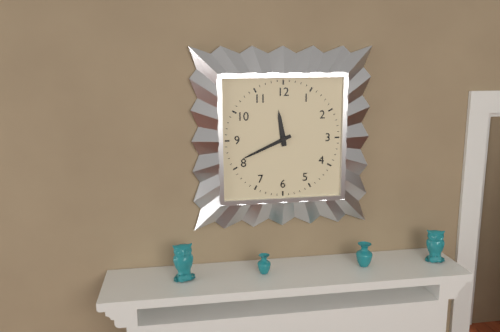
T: 11.41
